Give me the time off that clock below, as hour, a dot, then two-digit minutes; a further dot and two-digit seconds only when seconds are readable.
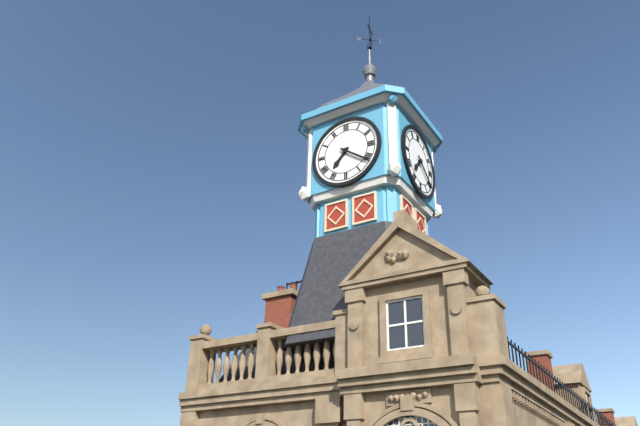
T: 7.21
